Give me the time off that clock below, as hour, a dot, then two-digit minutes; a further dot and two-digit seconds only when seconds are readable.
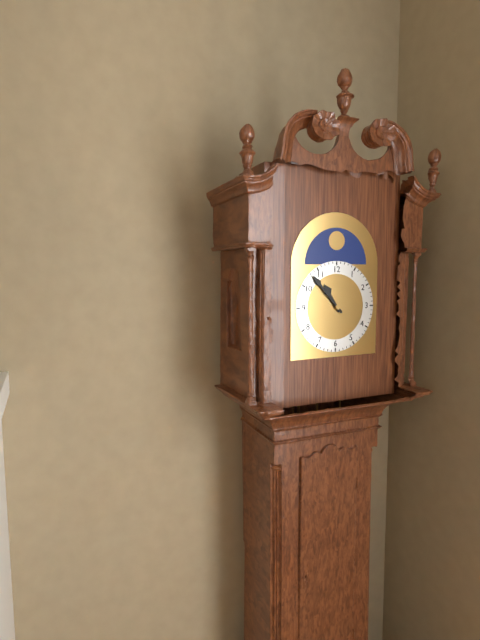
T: 10.53
